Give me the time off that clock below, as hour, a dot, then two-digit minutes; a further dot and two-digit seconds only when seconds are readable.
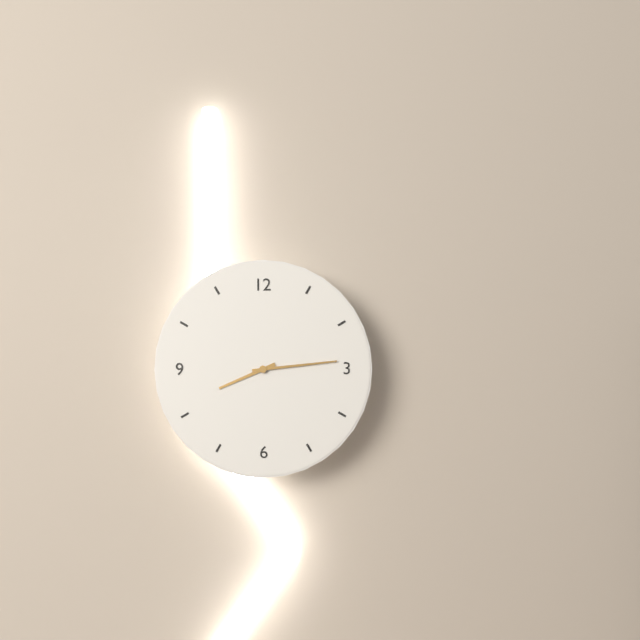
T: 8.14
